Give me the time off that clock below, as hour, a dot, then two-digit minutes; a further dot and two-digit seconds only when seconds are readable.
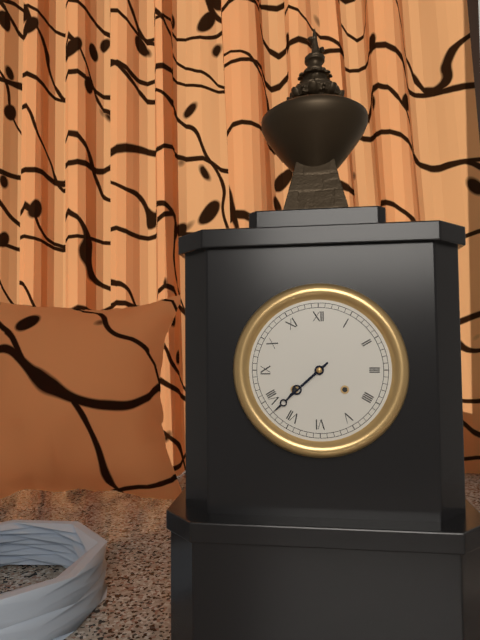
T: 7.38
